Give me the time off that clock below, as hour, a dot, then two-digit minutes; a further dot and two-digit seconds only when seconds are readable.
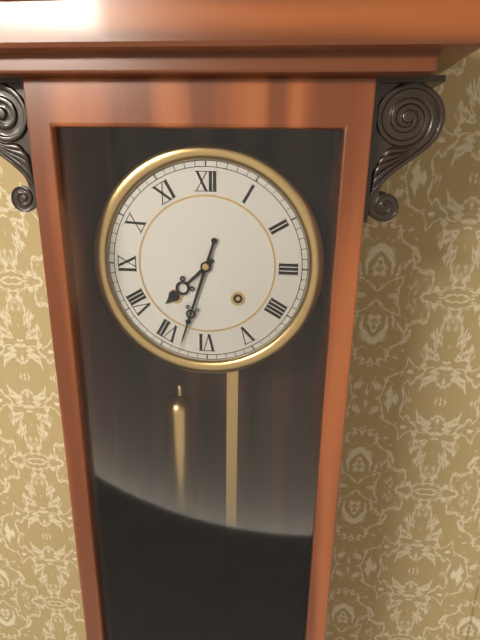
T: 7.33
